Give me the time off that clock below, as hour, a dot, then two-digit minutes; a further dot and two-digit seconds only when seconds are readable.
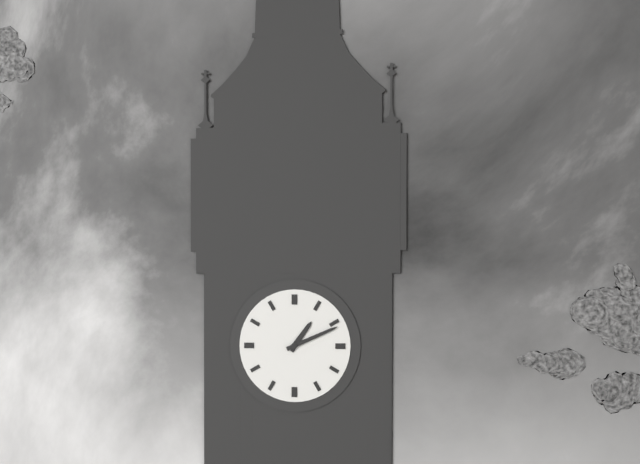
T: 1.11
